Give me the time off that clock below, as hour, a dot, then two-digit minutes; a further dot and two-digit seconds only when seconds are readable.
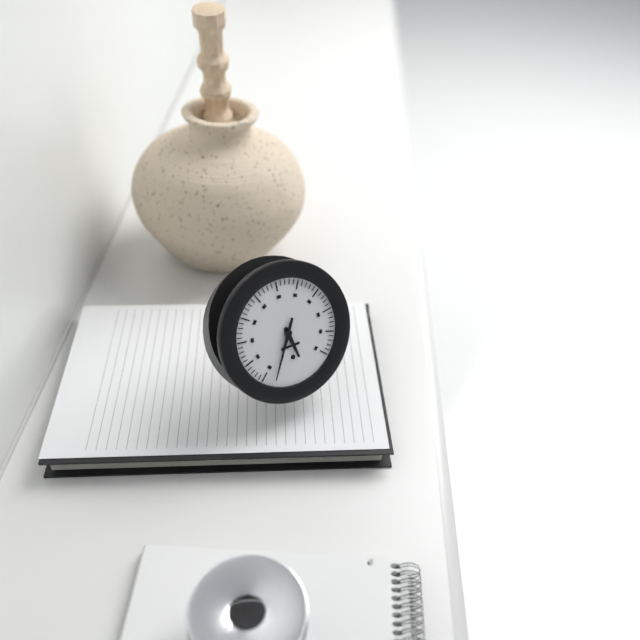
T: 5.35
